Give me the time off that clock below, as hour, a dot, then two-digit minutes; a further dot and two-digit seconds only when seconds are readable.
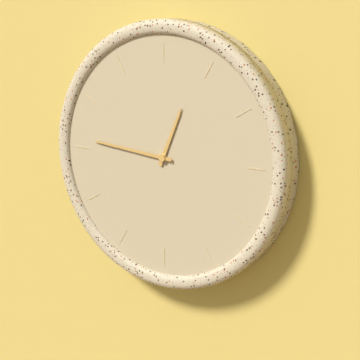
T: 12.46
